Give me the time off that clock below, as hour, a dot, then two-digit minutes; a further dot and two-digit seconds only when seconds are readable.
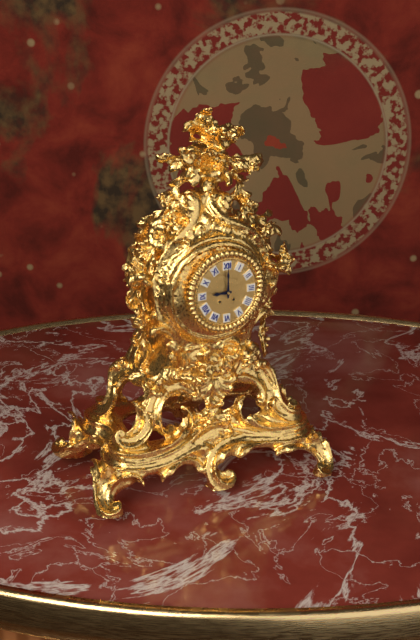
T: 9.00
